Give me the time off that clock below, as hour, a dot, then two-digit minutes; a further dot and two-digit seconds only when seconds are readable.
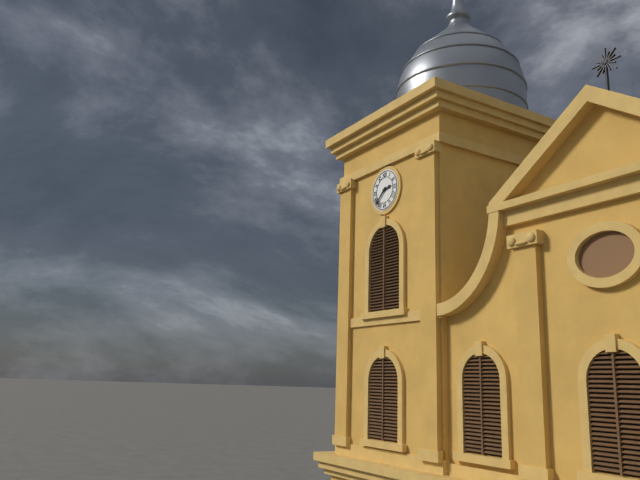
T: 2.38
